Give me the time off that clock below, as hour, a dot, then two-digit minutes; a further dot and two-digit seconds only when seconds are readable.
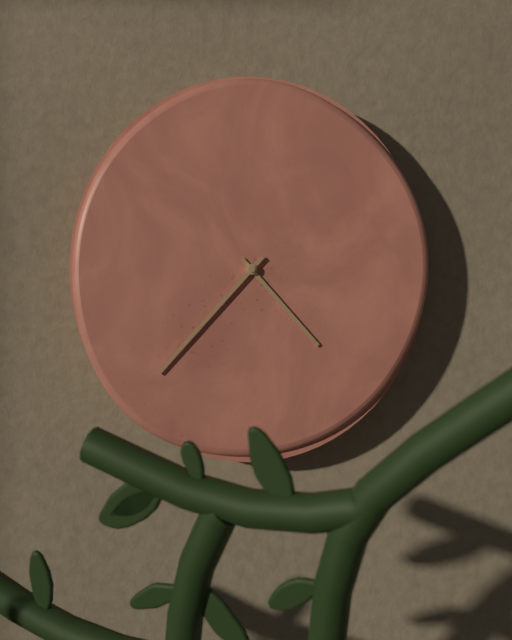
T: 4.37
